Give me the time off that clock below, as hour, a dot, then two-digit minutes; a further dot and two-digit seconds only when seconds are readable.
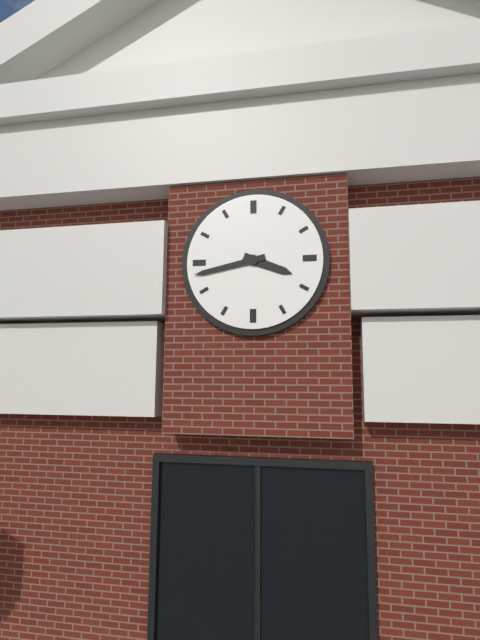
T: 3.43
